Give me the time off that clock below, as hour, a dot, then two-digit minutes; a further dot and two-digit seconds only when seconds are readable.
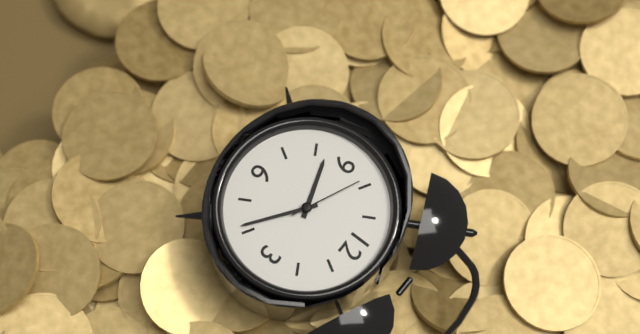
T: 8.21.49
